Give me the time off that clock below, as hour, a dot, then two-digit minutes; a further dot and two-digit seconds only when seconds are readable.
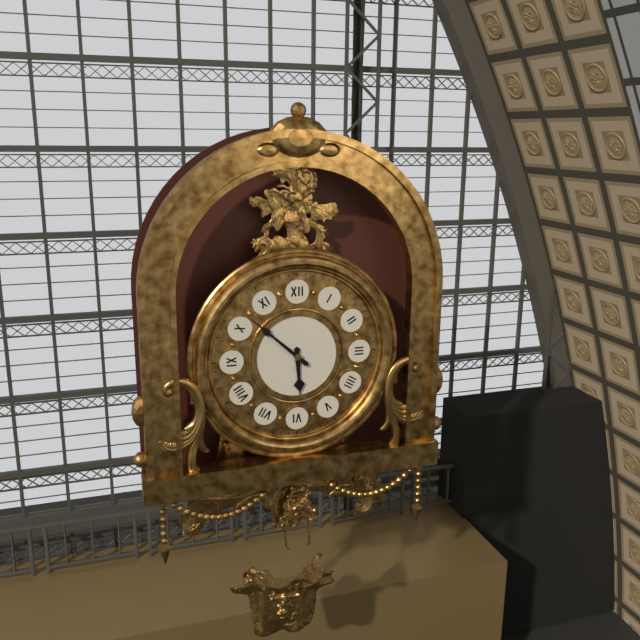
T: 5.52
